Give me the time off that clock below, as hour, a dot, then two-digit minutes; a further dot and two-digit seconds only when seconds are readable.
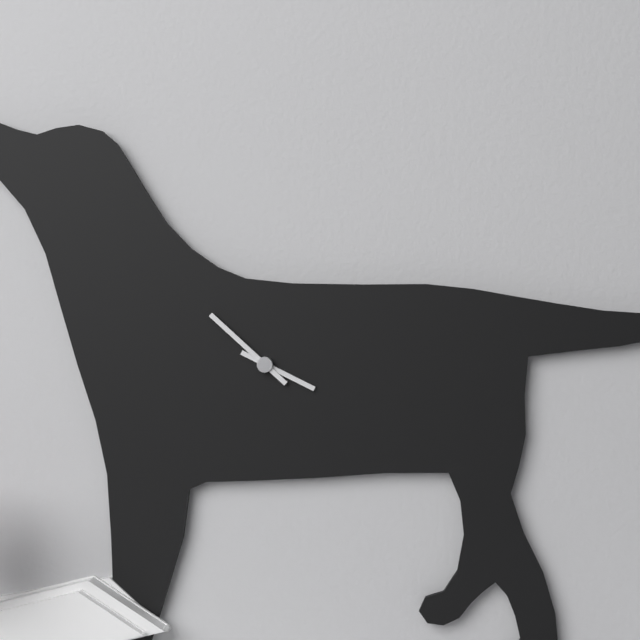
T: 3.52
